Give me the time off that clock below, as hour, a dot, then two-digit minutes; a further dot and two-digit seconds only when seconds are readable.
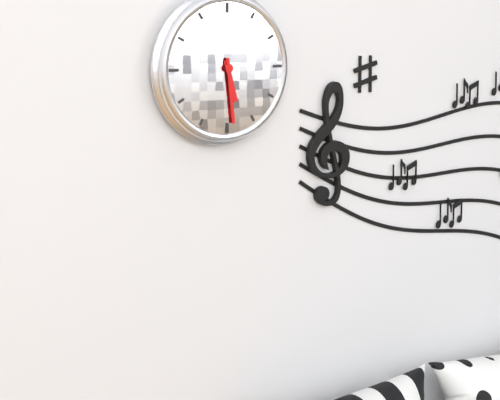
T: 5.29
